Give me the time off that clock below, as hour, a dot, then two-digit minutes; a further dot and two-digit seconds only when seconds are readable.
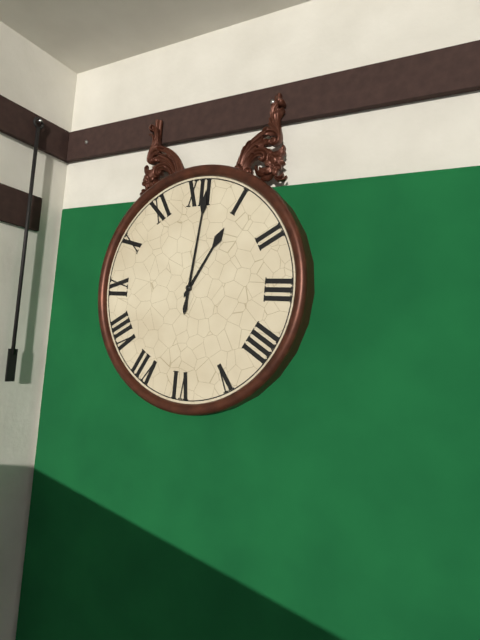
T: 1.01
